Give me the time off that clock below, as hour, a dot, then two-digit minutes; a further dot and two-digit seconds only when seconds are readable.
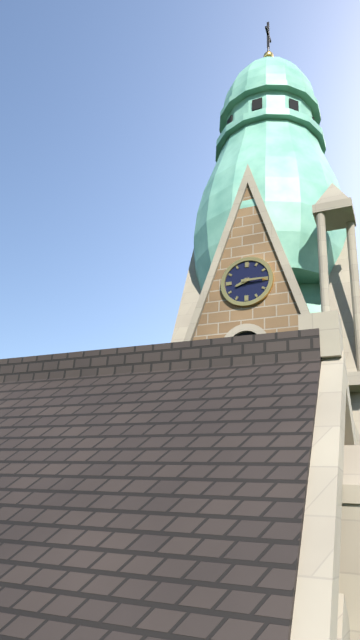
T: 8.15
